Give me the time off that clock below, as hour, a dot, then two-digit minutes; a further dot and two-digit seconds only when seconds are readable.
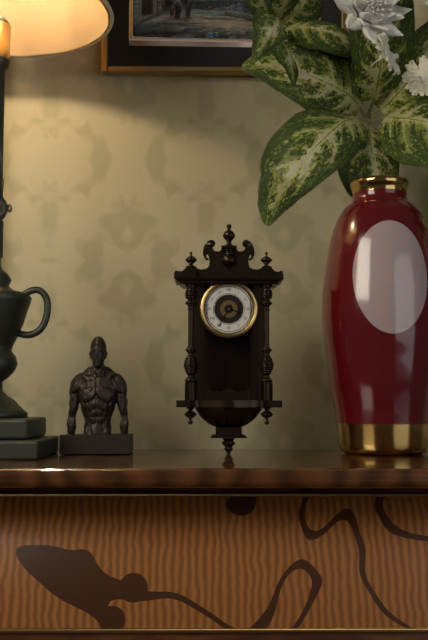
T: 3.35
